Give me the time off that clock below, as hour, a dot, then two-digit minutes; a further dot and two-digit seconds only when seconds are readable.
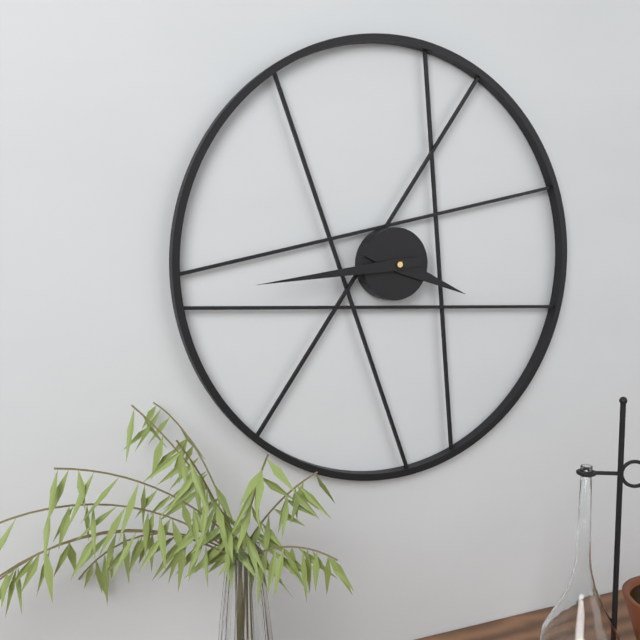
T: 3.44
